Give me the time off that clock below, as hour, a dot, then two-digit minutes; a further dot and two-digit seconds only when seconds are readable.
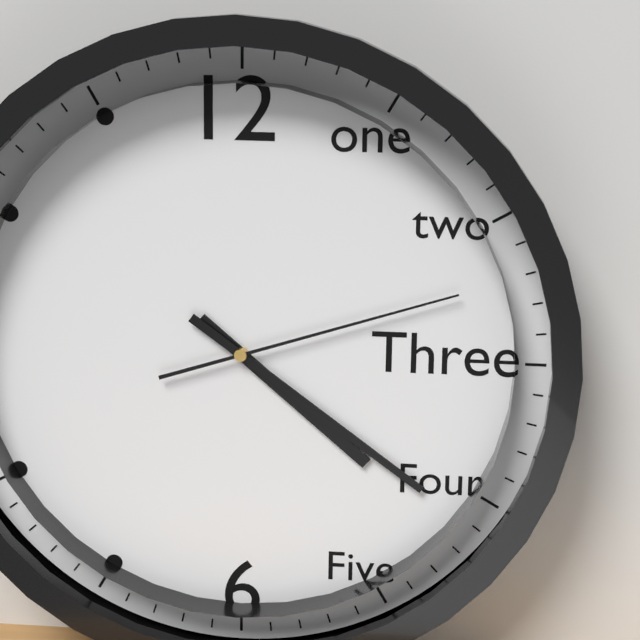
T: 4.21.12
